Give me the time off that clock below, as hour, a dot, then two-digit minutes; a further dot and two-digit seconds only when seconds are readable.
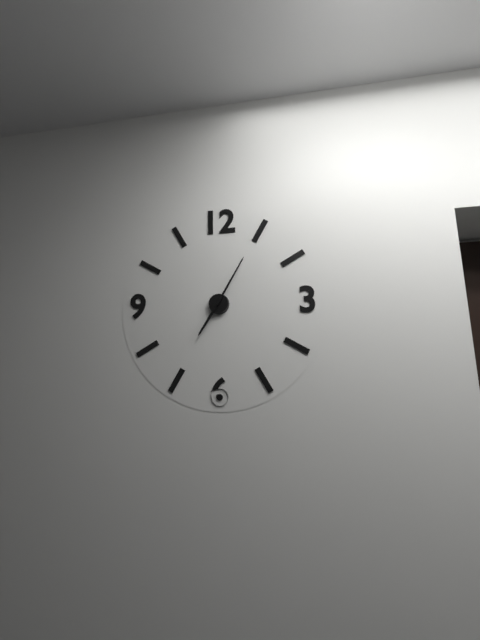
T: 7.05
